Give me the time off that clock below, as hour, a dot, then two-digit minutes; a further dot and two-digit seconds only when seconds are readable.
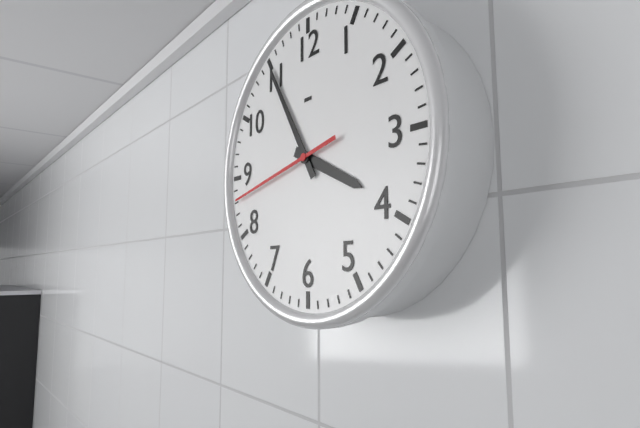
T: 3.55.43
